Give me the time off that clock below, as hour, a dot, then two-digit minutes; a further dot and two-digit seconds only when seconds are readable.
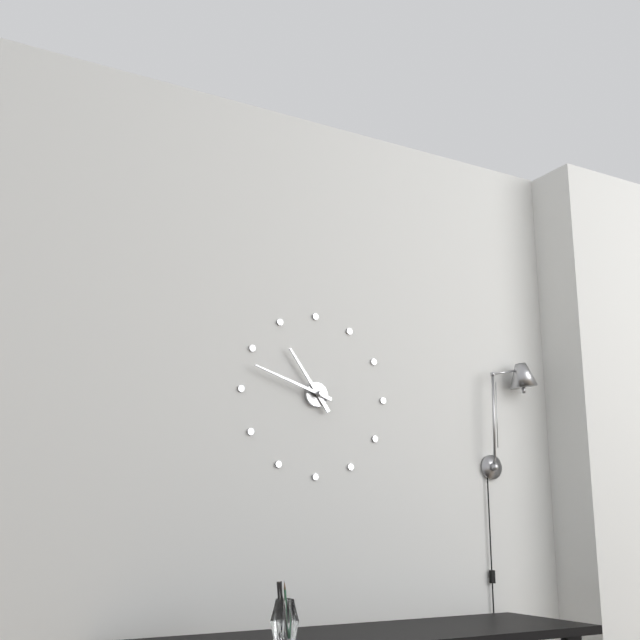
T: 10.48
